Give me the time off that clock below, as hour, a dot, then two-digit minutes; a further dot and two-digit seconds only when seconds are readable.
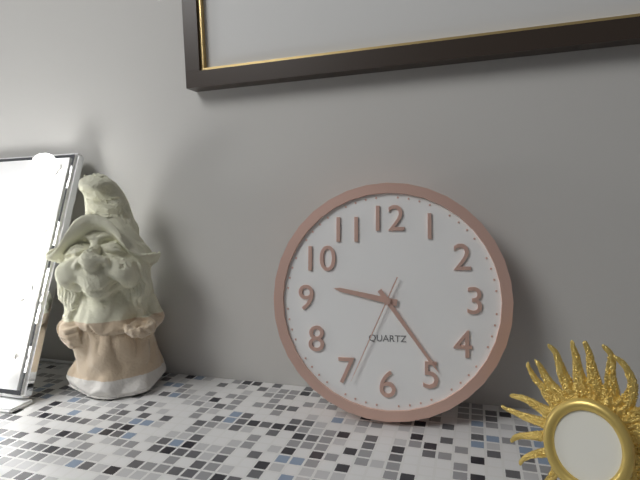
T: 9.24.34
